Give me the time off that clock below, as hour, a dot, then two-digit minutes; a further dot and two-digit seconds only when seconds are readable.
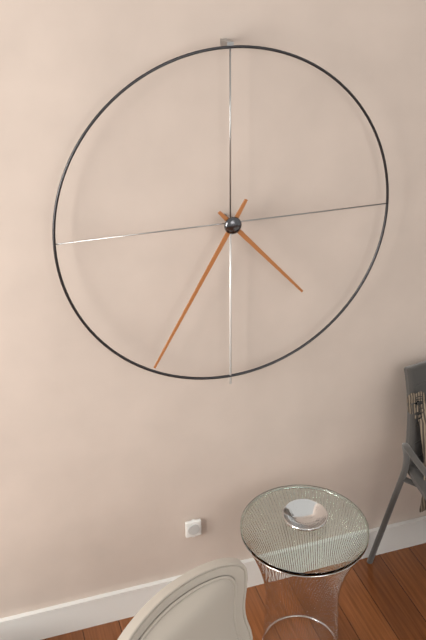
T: 4.35
